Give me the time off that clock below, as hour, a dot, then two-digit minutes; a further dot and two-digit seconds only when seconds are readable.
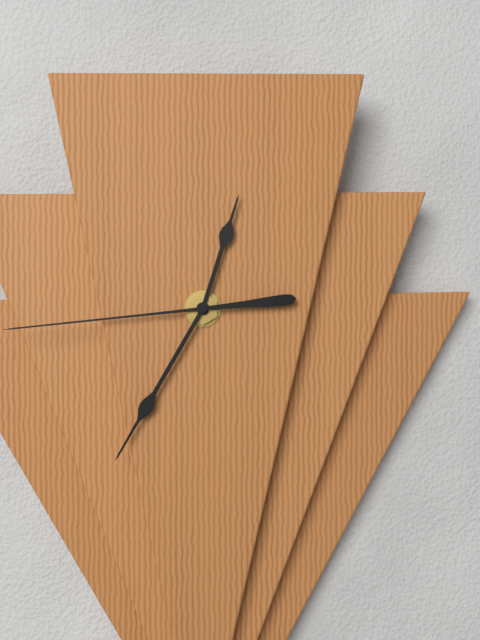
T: 12.35.44
